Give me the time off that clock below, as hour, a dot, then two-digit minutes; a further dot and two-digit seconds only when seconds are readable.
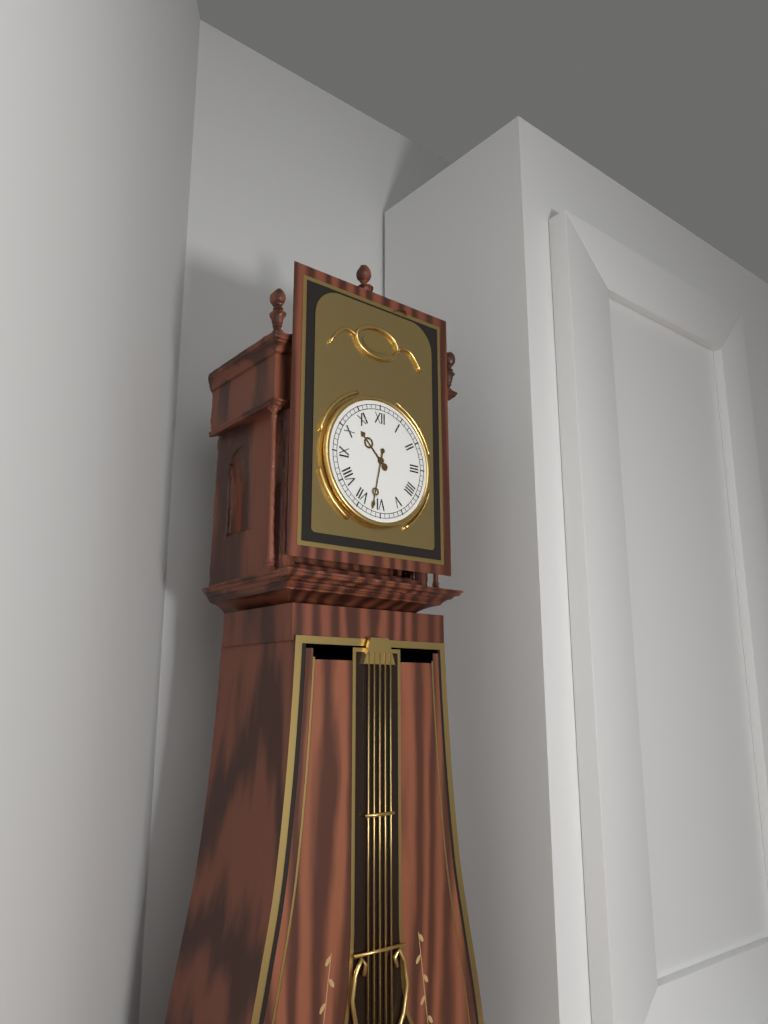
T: 10.32
